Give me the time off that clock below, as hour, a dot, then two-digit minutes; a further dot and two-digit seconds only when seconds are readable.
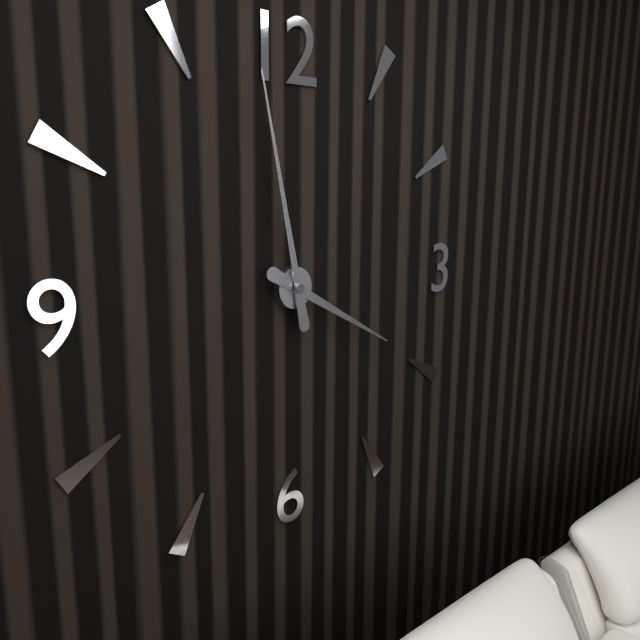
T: 3.58
